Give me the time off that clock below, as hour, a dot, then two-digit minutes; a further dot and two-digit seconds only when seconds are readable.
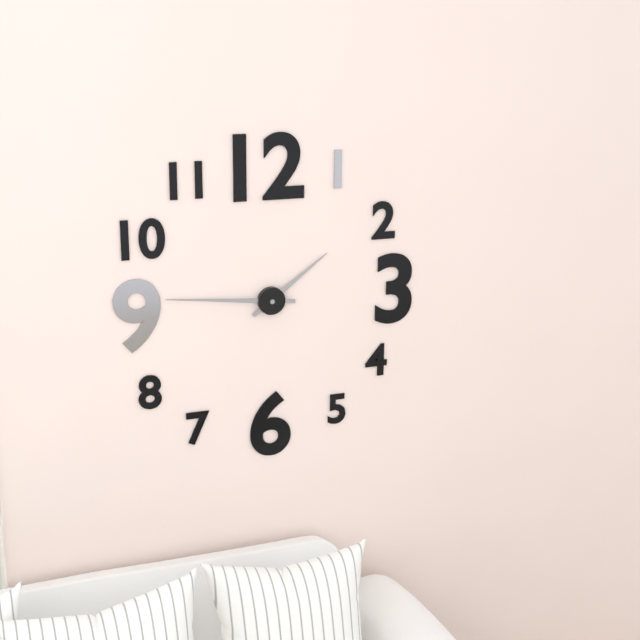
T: 1.46
